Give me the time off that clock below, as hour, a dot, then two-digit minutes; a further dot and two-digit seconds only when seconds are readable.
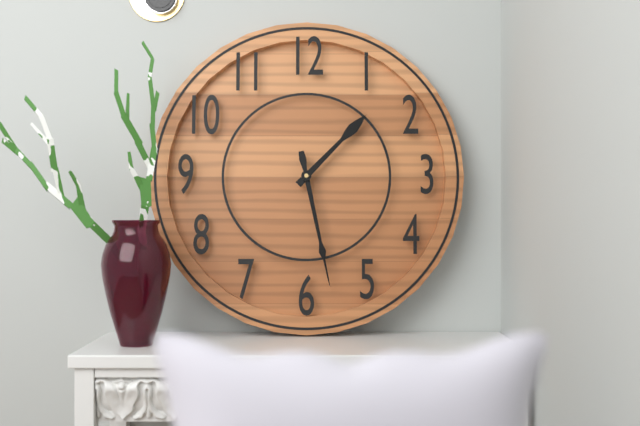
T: 1.28
